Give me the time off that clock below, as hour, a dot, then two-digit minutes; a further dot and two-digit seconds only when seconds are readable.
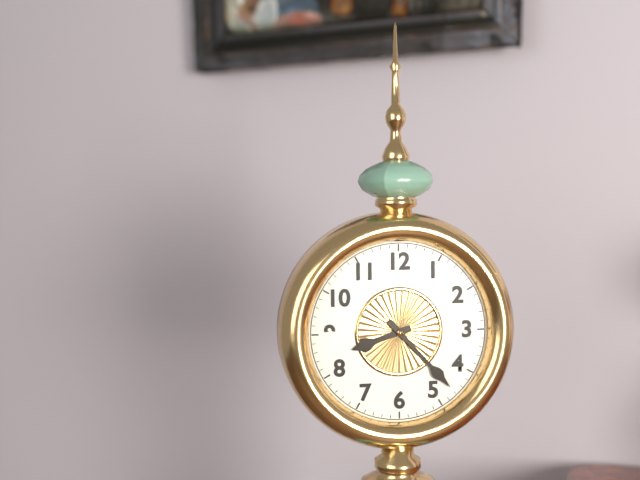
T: 8.23
